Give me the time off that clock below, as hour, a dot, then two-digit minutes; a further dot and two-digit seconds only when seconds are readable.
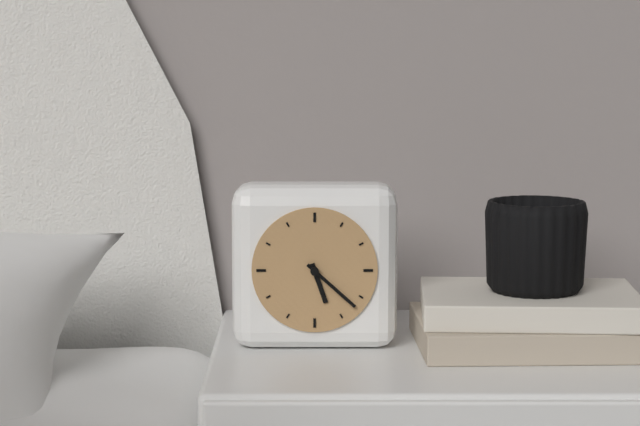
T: 5.22
